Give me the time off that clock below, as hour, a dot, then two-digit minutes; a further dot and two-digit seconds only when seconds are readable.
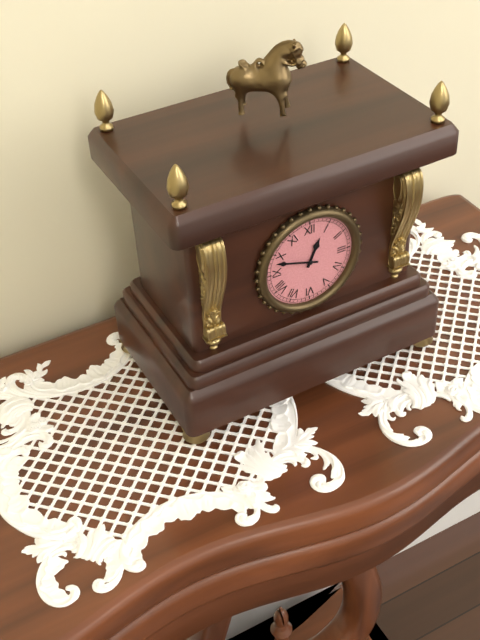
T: 12.48
